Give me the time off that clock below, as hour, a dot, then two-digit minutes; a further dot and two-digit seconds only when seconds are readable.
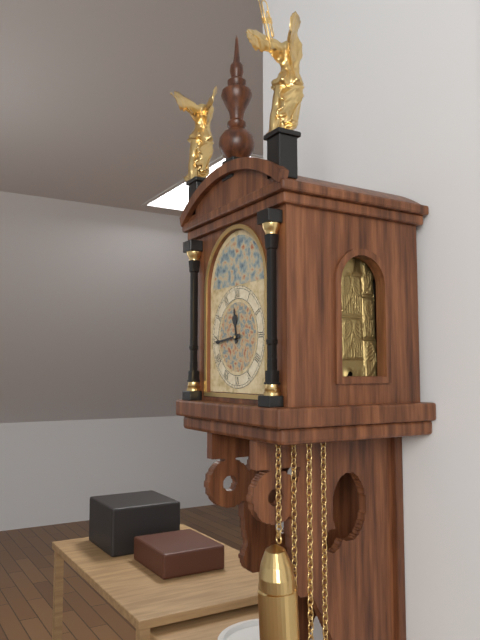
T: 11.44
